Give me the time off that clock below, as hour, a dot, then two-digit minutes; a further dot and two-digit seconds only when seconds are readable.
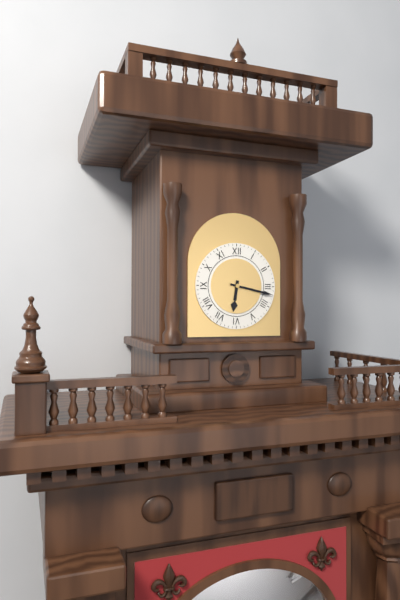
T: 6.17
